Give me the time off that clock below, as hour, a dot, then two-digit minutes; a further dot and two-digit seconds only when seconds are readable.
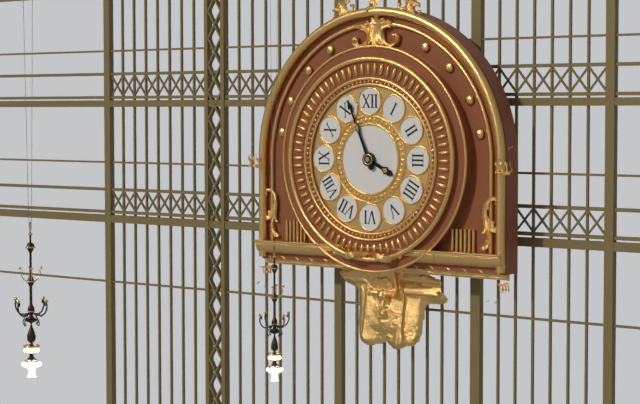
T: 3.56
